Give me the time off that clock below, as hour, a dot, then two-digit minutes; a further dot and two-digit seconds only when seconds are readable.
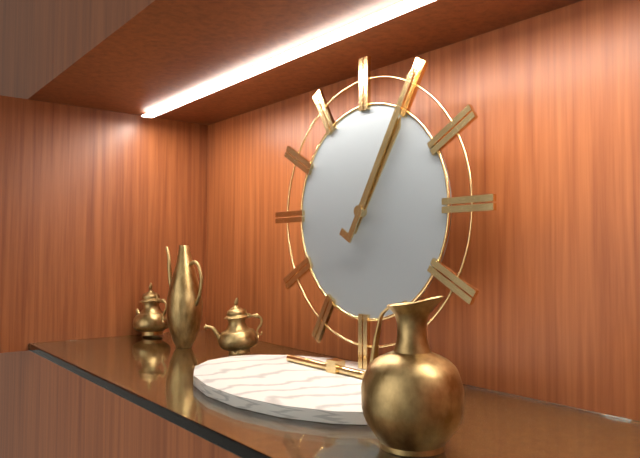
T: 1.05
